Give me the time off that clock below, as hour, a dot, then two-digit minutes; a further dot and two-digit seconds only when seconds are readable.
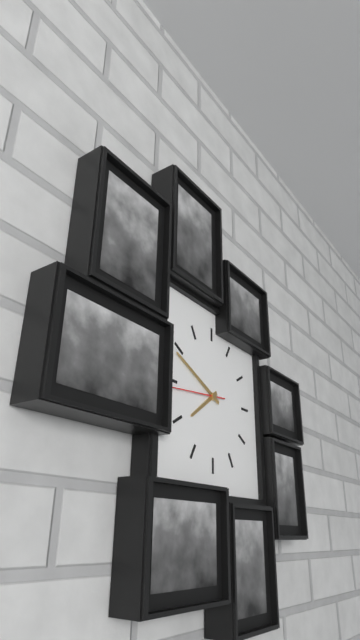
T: 7.49.44
